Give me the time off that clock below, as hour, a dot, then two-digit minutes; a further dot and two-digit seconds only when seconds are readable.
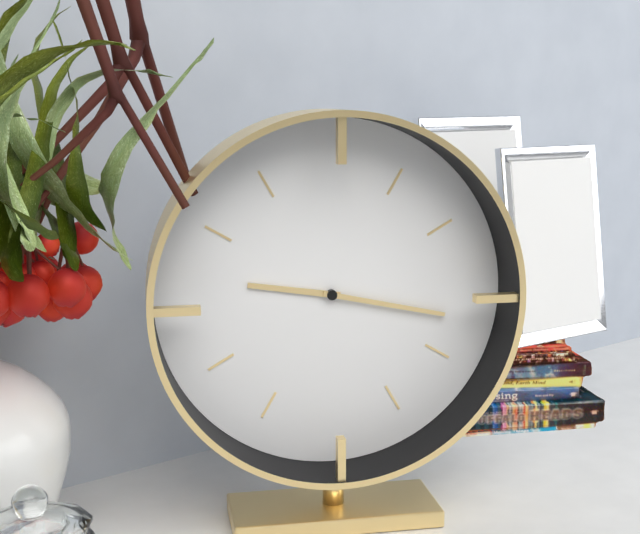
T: 9.17
